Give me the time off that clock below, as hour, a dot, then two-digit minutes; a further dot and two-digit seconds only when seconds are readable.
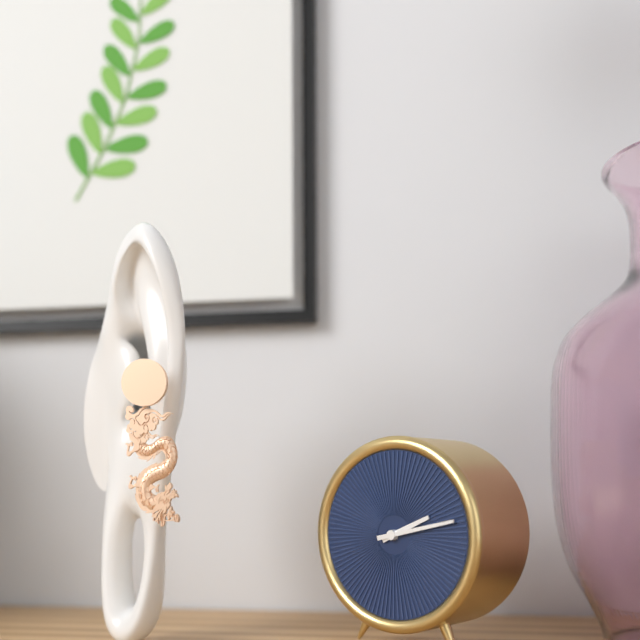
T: 2.13
